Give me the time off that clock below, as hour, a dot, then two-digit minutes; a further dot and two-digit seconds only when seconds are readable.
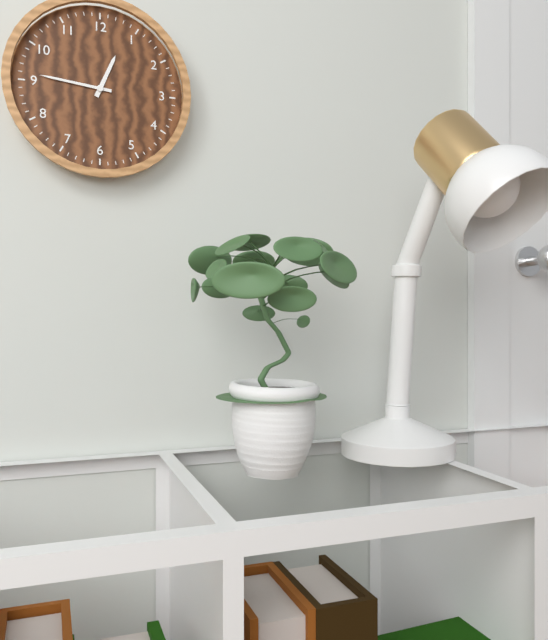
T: 12.46
